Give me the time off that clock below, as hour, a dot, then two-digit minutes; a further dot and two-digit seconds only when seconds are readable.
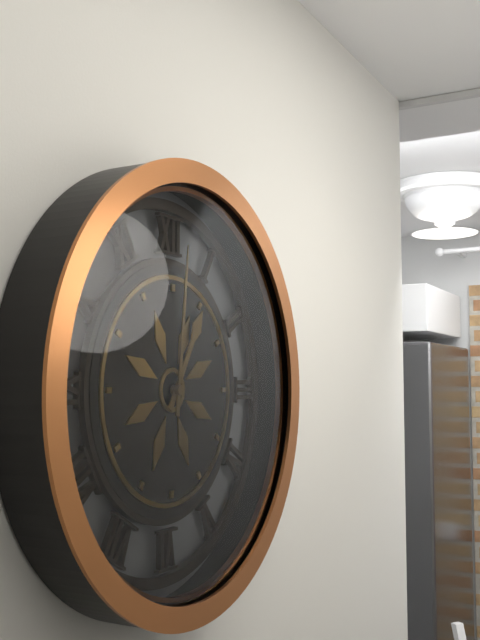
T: 1.01
